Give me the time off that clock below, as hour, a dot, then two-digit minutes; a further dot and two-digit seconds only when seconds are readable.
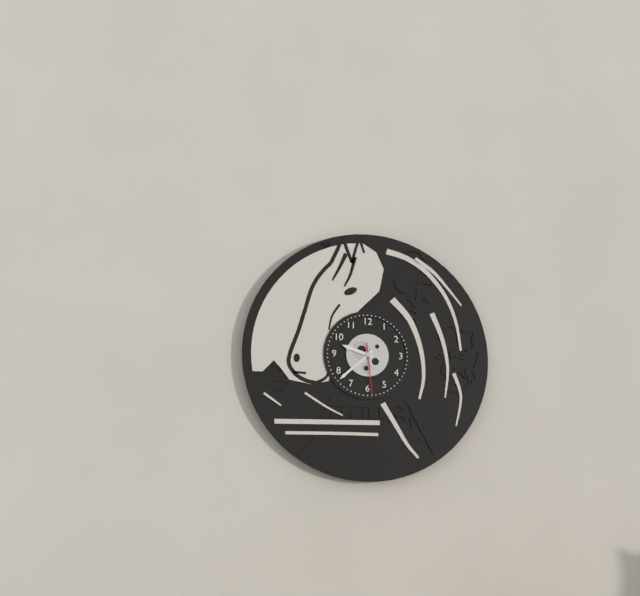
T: 9.38.29
